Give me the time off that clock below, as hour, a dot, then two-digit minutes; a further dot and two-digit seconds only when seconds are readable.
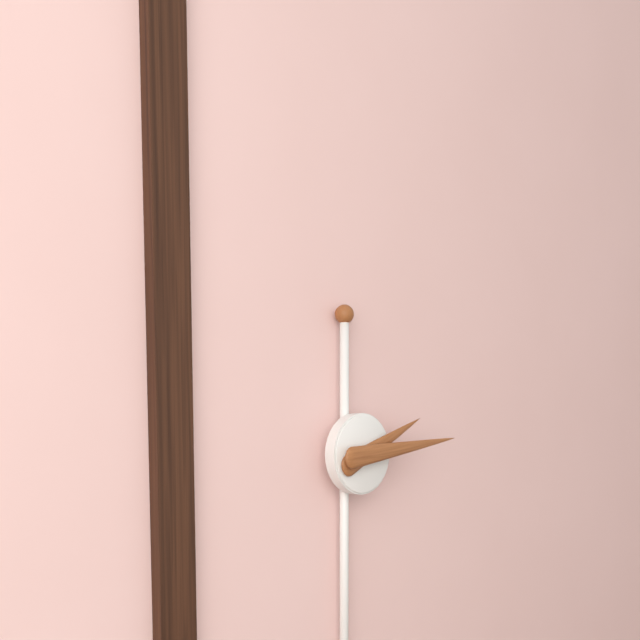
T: 2.14
